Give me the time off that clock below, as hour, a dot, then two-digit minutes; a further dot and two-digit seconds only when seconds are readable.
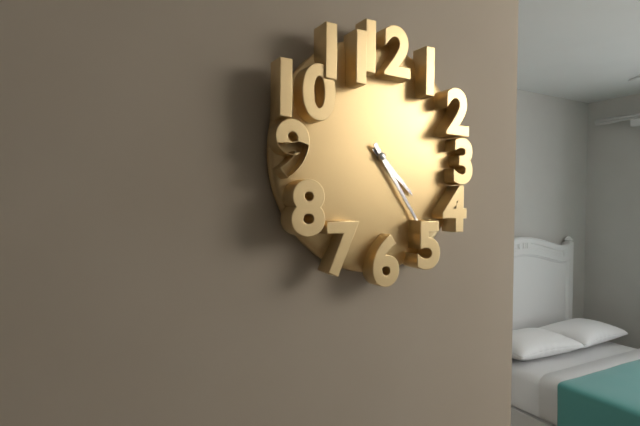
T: 4.24
